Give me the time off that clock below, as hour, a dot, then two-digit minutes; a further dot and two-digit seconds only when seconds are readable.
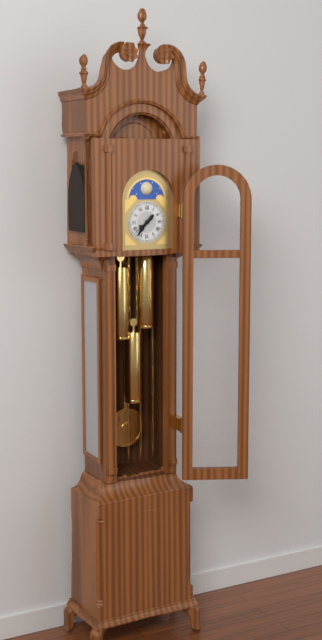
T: 7.37
